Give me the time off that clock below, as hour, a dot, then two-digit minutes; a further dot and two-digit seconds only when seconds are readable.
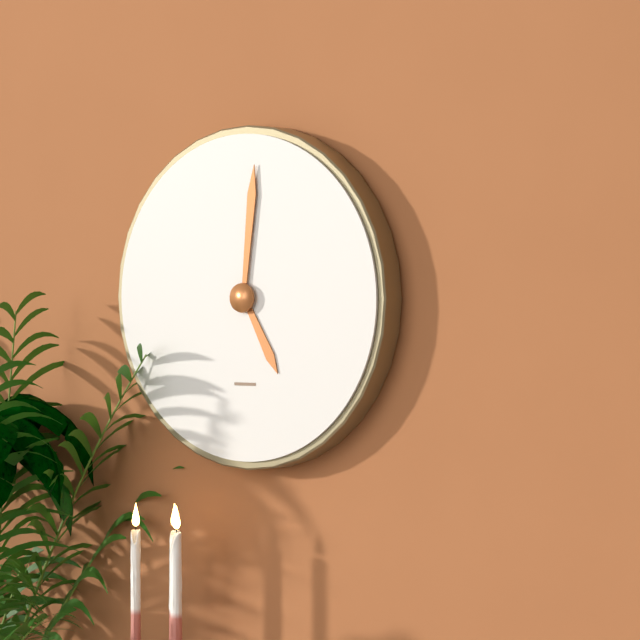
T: 5.01
